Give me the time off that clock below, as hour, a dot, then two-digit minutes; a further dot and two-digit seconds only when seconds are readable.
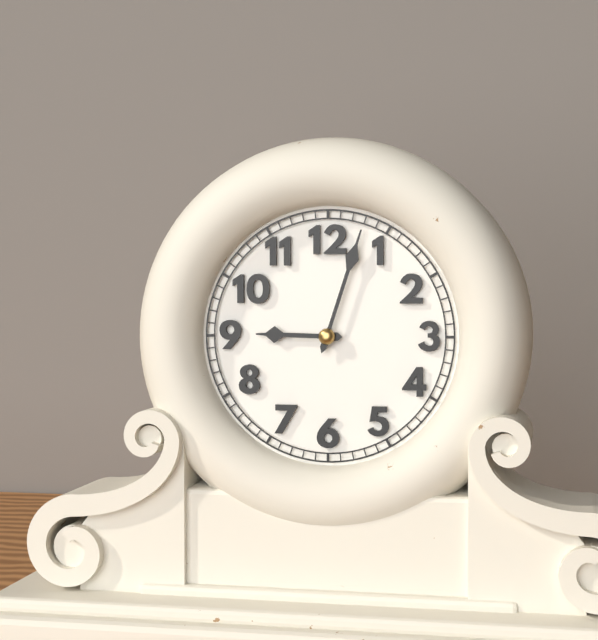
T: 9.03
